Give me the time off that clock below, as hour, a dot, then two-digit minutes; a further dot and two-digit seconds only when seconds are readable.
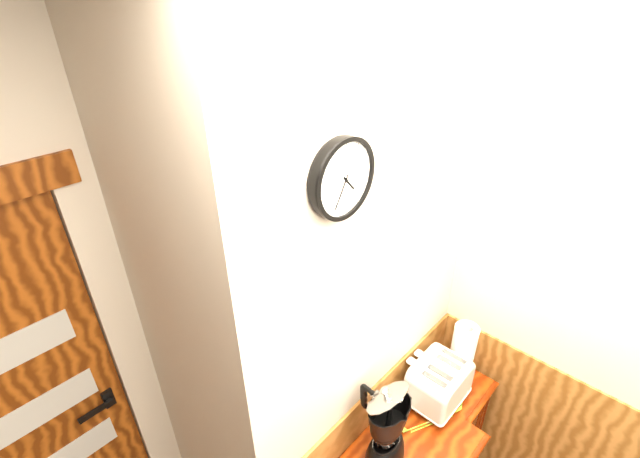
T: 4.35
